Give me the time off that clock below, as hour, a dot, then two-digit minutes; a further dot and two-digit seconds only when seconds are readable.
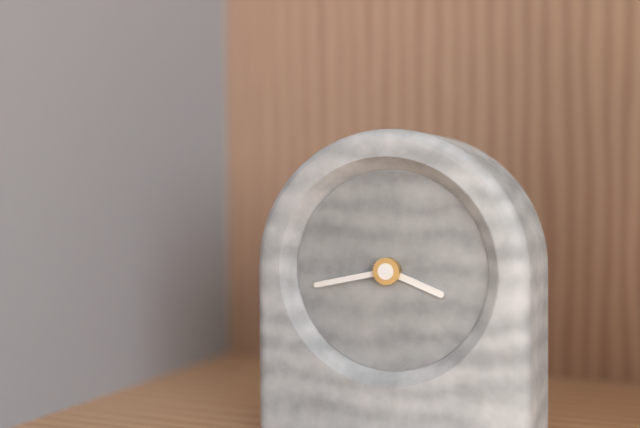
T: 3.43
